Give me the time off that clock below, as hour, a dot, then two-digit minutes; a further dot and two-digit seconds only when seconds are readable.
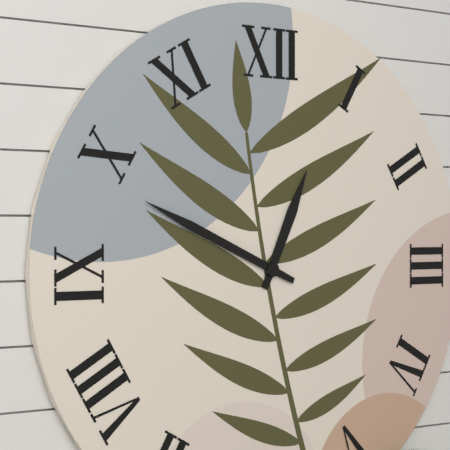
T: 12.49
